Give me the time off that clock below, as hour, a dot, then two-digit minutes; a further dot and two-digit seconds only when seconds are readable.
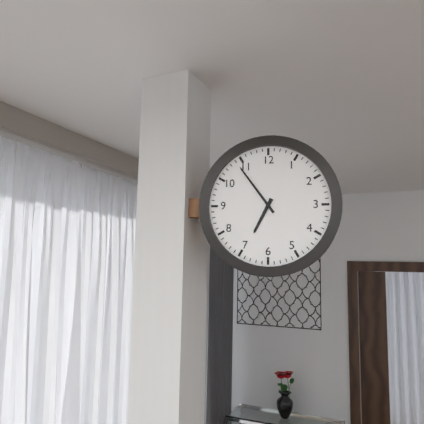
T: 6.54
